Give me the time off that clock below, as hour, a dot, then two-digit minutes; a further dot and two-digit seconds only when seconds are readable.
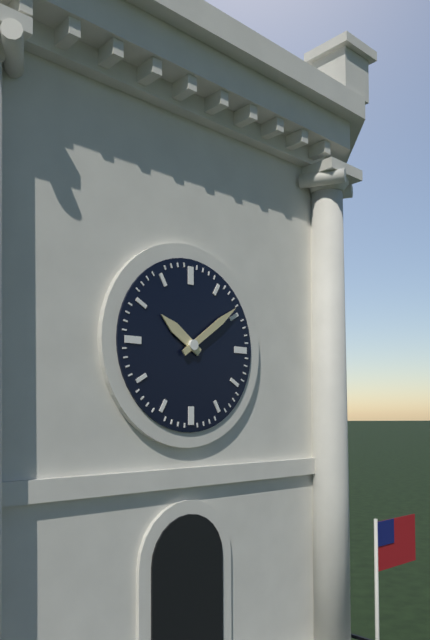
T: 10.09
